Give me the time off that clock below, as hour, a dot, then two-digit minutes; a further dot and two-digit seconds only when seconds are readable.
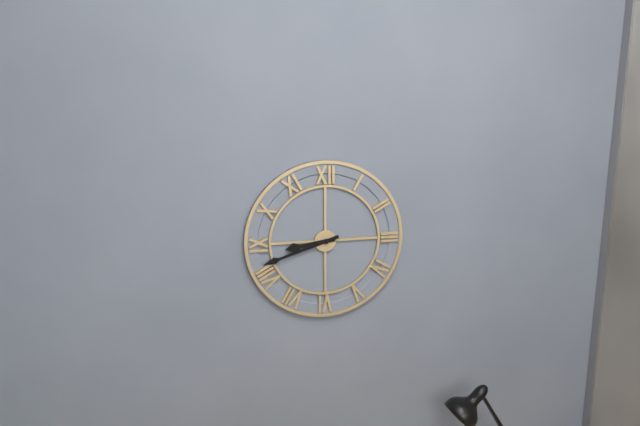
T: 8.42
